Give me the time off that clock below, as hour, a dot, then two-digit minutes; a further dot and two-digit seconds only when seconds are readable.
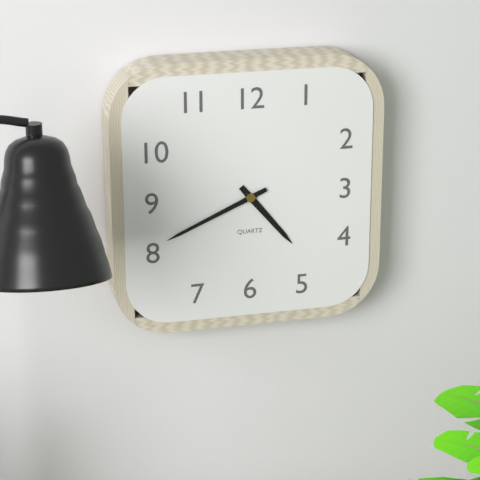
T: 4.41
